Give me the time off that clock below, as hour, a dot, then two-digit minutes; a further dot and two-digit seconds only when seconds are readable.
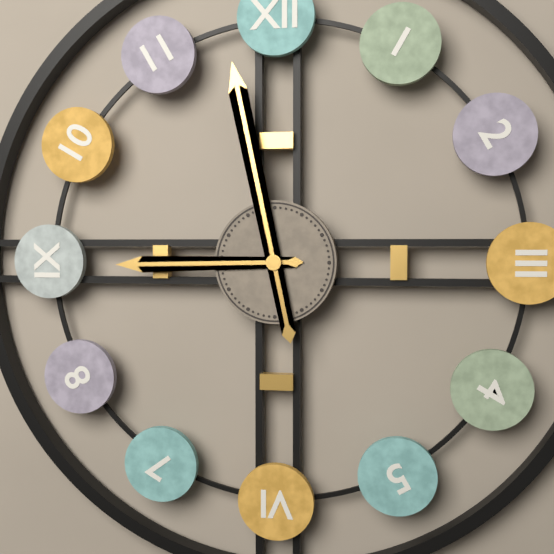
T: 8.58
